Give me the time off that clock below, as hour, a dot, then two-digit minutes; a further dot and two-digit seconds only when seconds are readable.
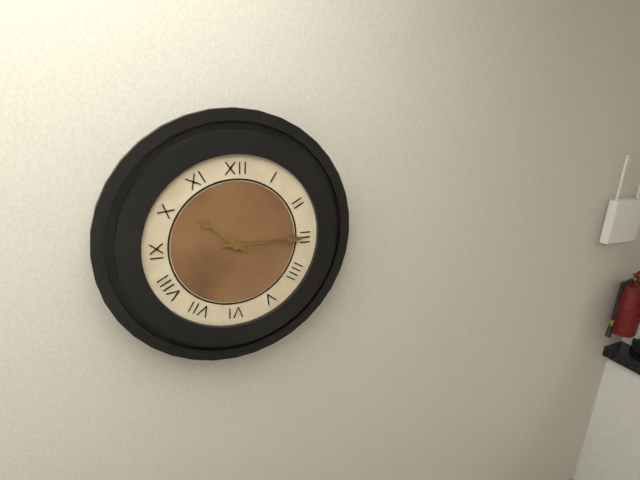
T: 10.15
